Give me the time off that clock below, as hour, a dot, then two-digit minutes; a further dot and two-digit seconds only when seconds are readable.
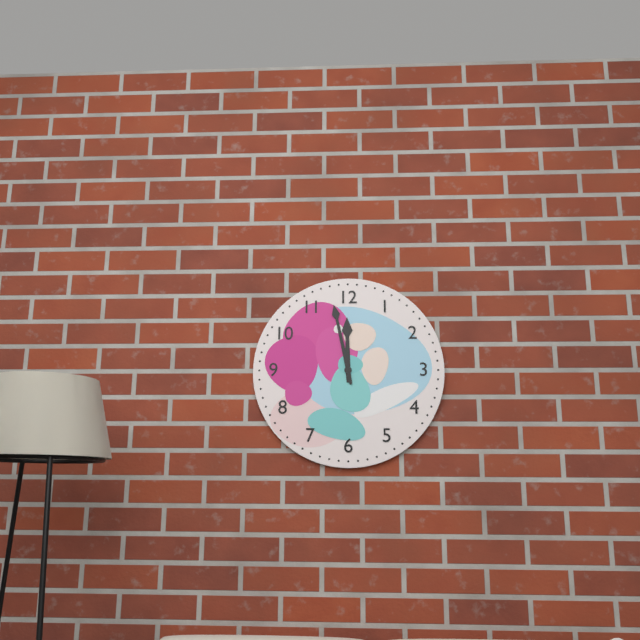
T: 11.58
